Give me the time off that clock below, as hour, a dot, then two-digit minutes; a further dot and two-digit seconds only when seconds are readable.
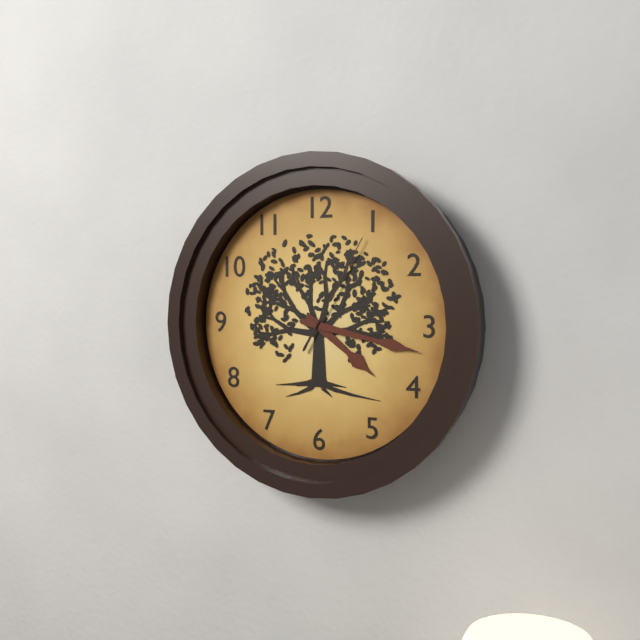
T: 4.17.05
